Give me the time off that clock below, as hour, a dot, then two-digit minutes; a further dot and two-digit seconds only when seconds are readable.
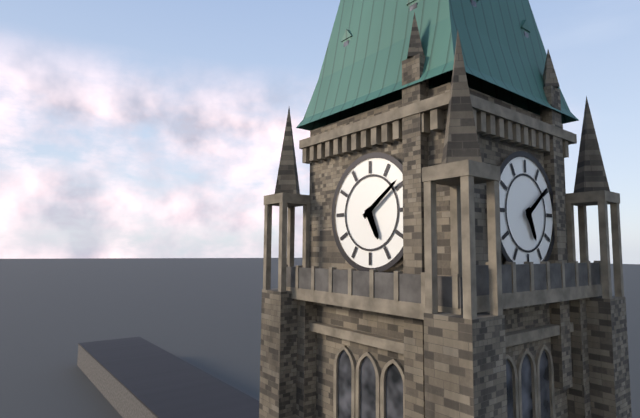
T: 5.09
